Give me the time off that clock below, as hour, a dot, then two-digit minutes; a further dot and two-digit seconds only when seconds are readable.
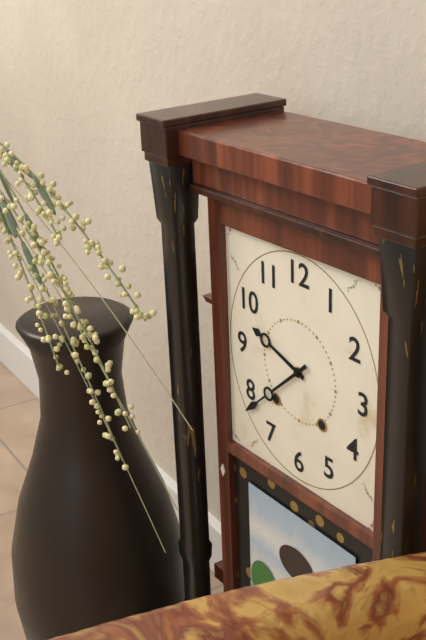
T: 9.38
